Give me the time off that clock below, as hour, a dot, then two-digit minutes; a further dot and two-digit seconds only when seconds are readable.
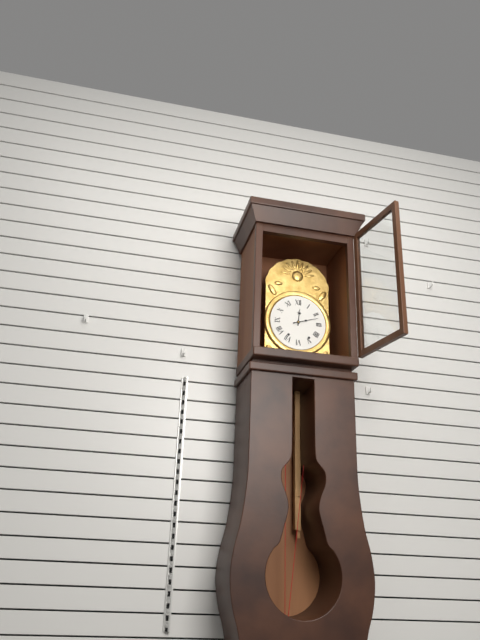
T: 12.12
